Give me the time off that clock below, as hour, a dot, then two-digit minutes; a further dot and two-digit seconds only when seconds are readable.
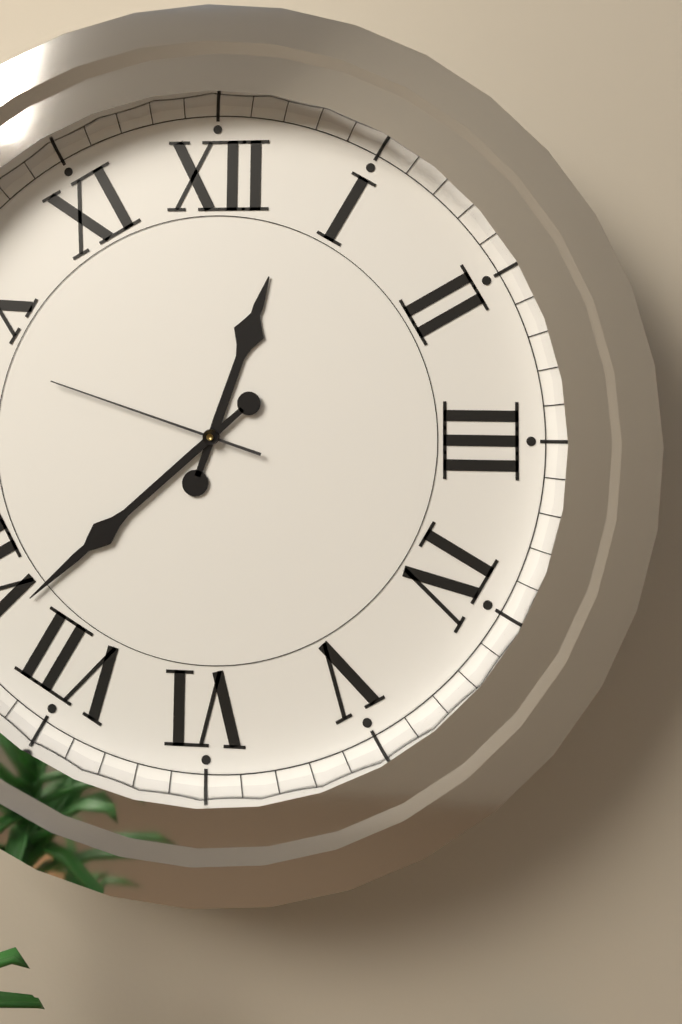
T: 12.38.48
